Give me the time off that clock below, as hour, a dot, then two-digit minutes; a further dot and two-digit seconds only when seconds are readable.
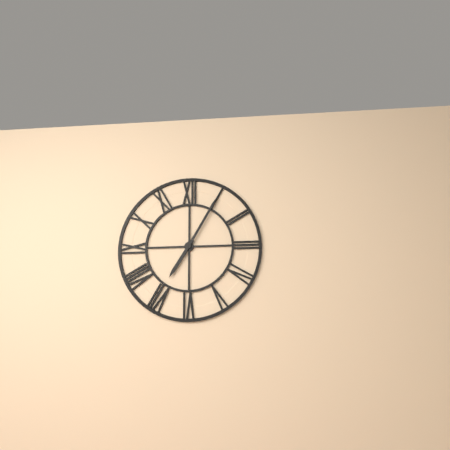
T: 7.05
